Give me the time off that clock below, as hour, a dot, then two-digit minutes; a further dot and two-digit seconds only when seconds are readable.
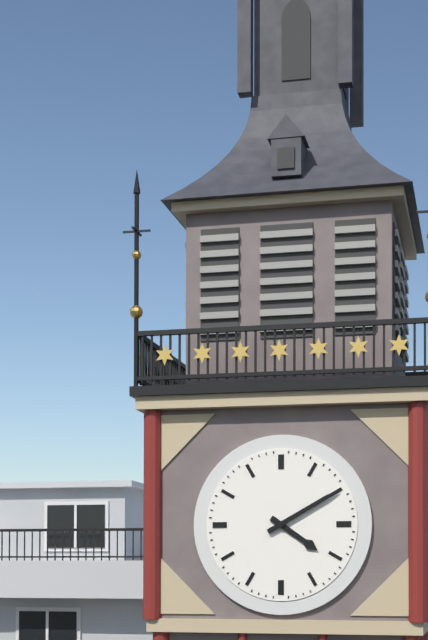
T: 4.10
